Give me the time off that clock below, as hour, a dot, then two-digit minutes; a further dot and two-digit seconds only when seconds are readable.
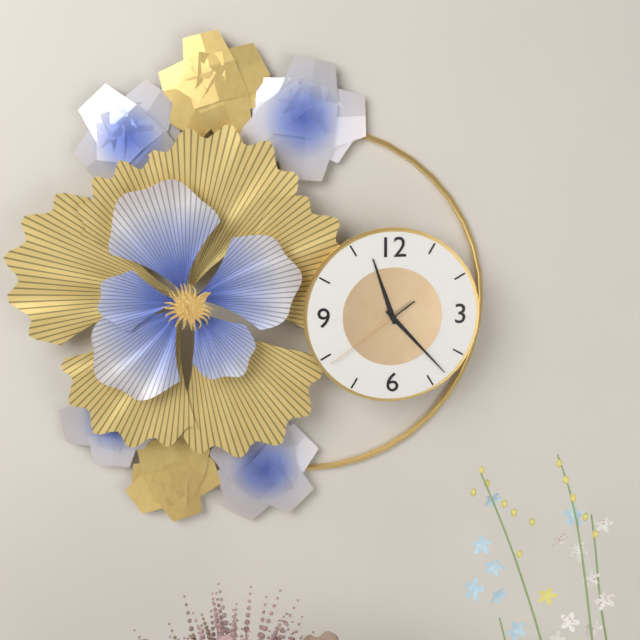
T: 11.23.39
